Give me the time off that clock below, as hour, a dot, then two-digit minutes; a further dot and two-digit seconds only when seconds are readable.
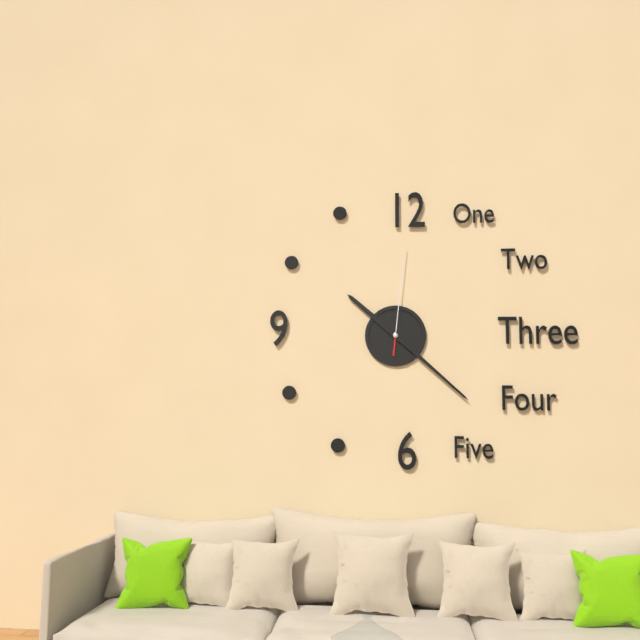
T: 10.22.01
